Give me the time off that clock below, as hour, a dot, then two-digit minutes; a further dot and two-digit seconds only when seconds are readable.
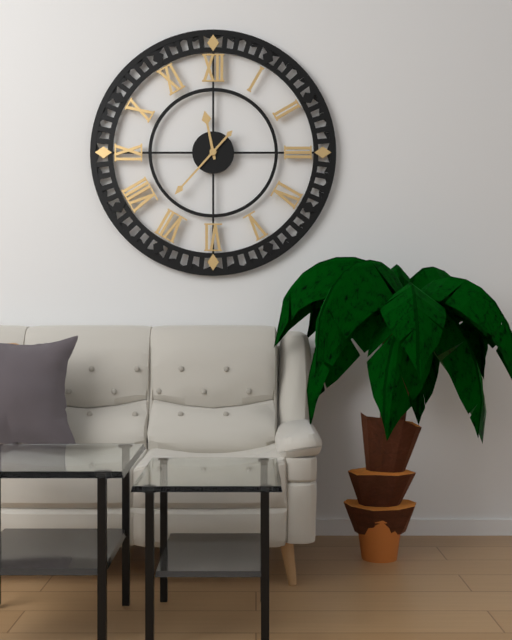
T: 11.37
